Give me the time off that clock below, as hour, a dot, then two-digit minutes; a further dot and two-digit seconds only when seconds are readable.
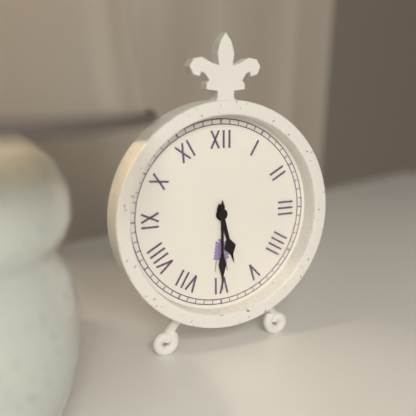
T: 5.30
